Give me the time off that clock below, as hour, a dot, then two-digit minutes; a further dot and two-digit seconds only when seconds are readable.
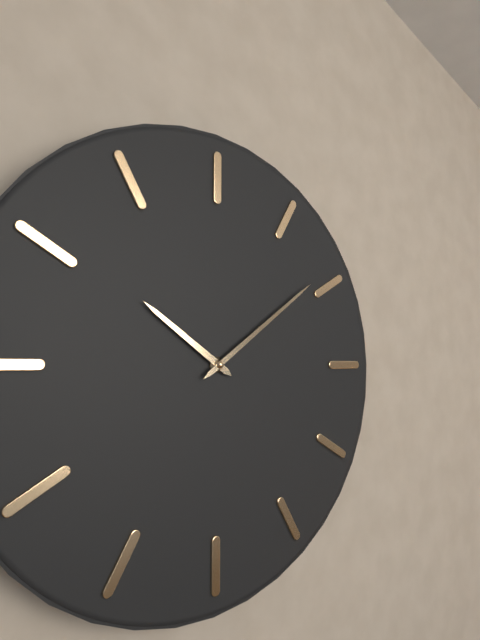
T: 10.09
